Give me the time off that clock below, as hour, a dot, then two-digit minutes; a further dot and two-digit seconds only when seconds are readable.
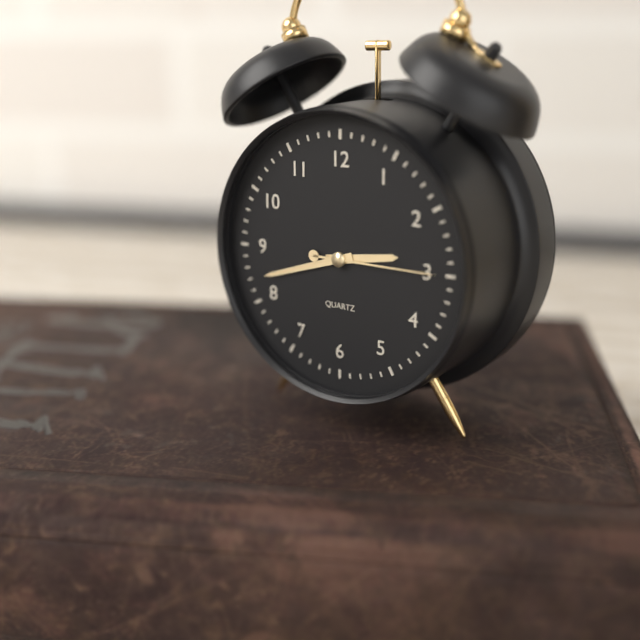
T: 2.42.15
